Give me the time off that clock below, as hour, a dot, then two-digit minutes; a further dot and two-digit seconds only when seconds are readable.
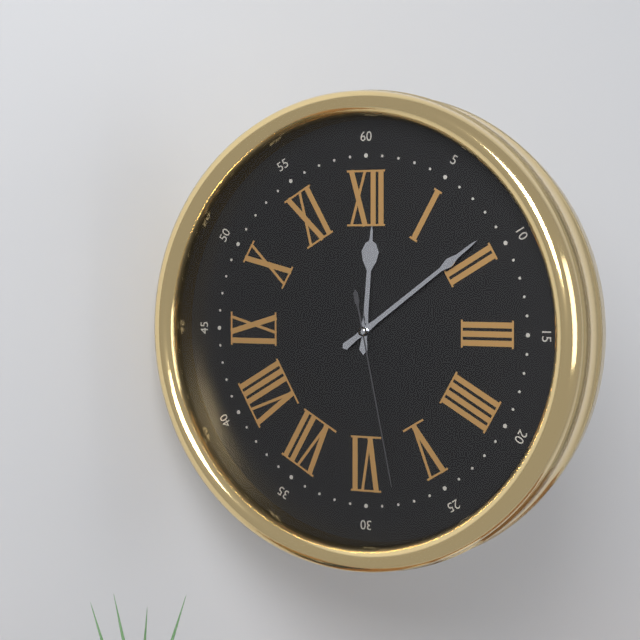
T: 12.09.28
